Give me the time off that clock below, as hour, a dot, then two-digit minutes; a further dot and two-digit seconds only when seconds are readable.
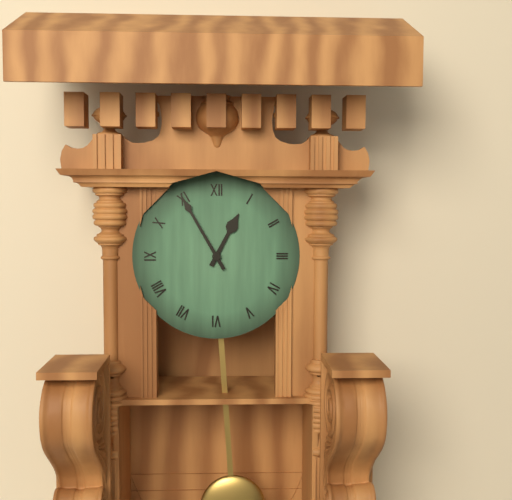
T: 12.55
